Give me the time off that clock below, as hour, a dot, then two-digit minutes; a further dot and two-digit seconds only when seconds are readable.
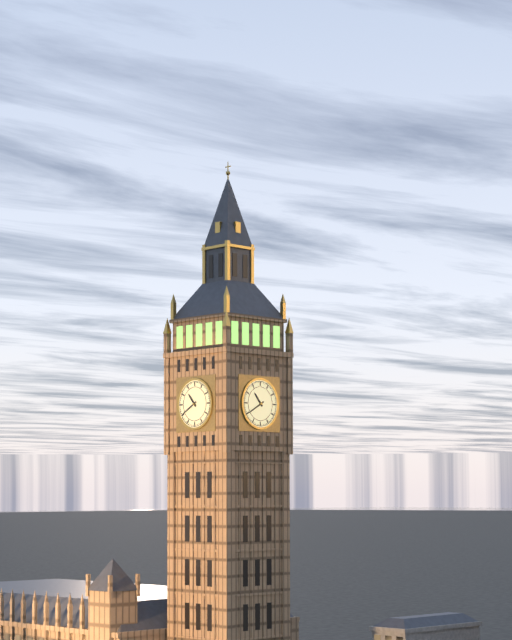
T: 10.40
